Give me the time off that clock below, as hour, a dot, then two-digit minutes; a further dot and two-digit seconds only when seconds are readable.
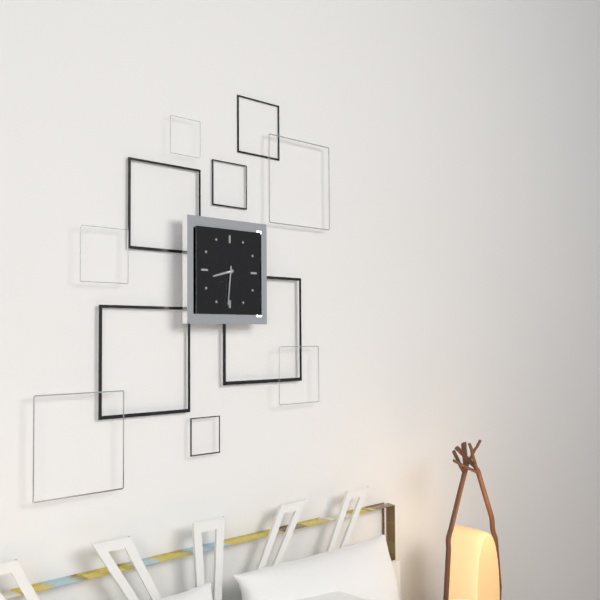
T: 8.31
